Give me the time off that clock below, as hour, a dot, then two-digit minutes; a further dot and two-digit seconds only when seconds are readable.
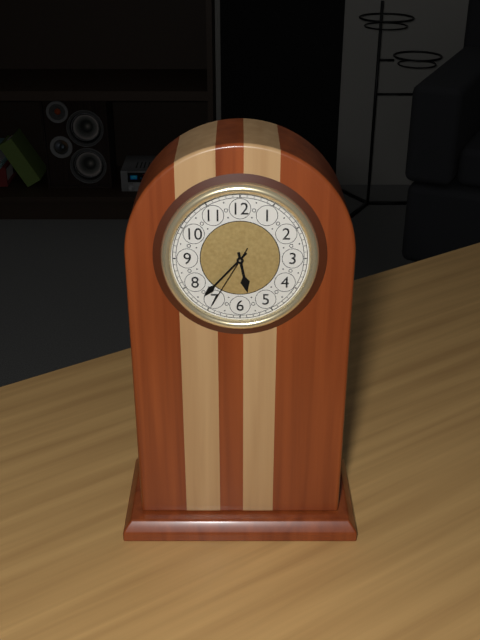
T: 5.37.35
